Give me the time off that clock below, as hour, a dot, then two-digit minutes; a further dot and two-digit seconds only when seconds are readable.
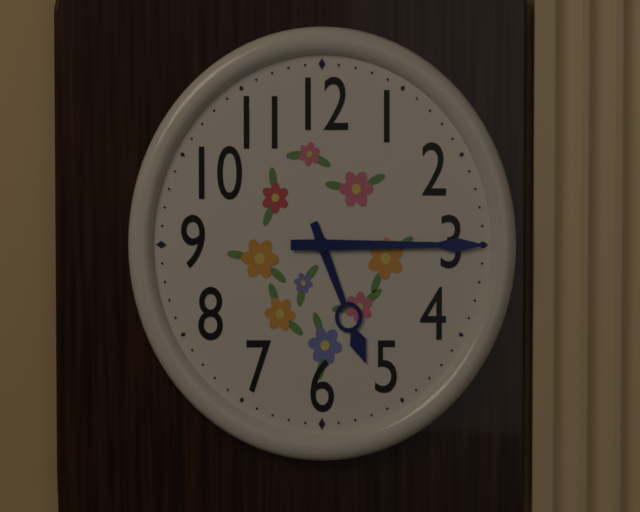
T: 5.15
